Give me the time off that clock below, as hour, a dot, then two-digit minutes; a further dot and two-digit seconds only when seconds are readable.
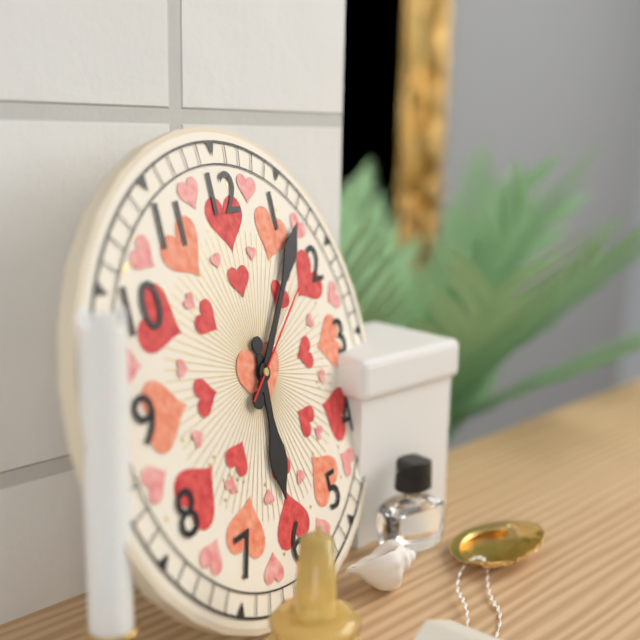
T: 6.07.09
